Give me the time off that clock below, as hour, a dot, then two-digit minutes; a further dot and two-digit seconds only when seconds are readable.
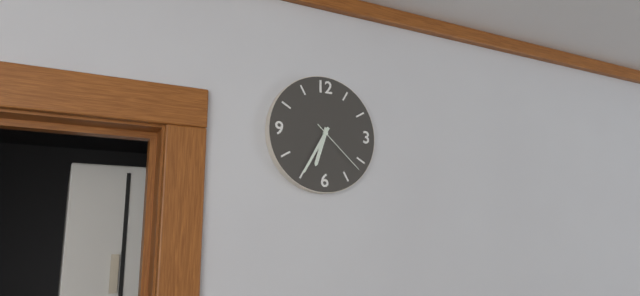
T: 6.35.22
